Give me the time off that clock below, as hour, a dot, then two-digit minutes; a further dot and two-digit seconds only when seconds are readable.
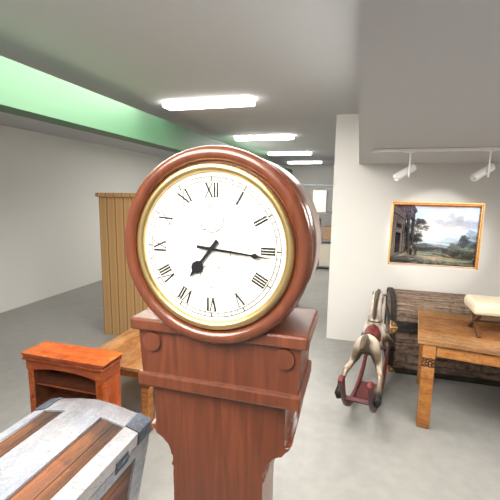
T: 7.16
